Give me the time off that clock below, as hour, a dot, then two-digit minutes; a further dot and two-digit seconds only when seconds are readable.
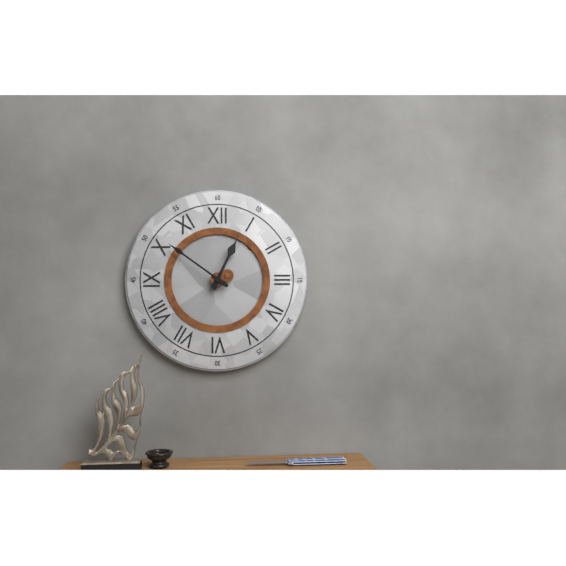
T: 12.51
